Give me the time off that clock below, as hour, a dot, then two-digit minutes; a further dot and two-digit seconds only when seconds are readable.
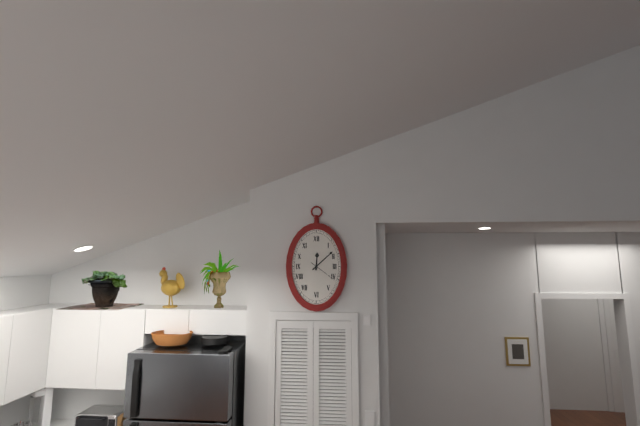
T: 12.08
